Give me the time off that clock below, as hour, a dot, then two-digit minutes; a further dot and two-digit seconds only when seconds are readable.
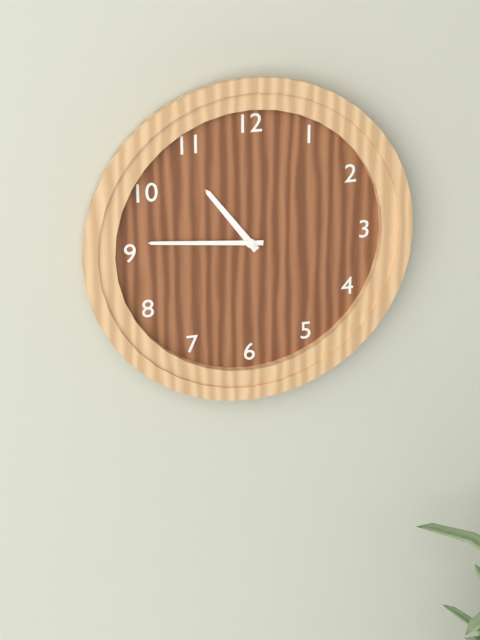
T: 10.46
